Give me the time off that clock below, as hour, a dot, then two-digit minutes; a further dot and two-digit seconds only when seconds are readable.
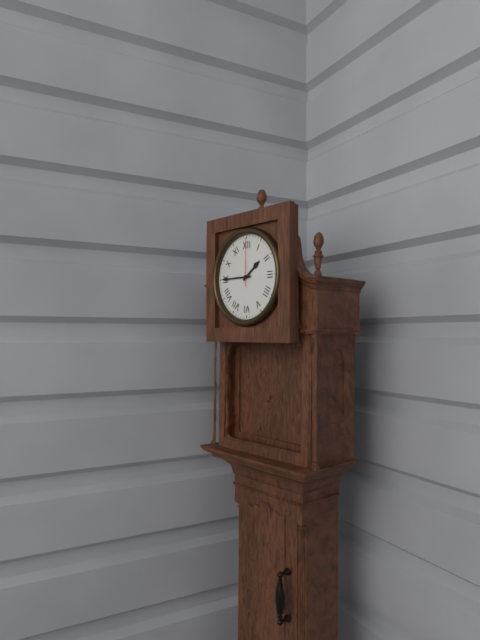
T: 1.45
